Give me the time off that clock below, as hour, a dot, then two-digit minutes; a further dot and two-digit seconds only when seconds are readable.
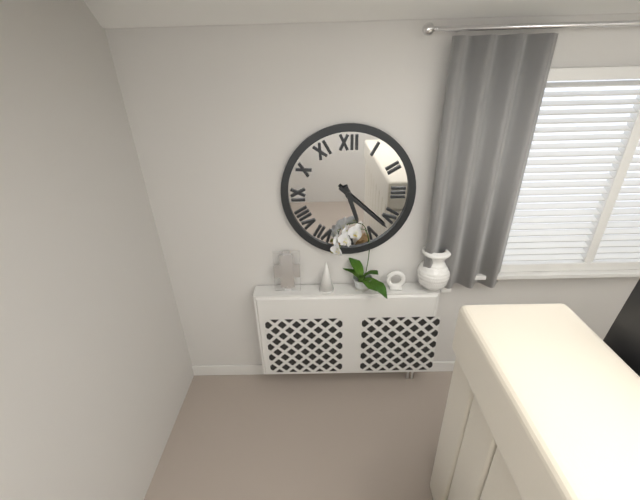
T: 5.22
